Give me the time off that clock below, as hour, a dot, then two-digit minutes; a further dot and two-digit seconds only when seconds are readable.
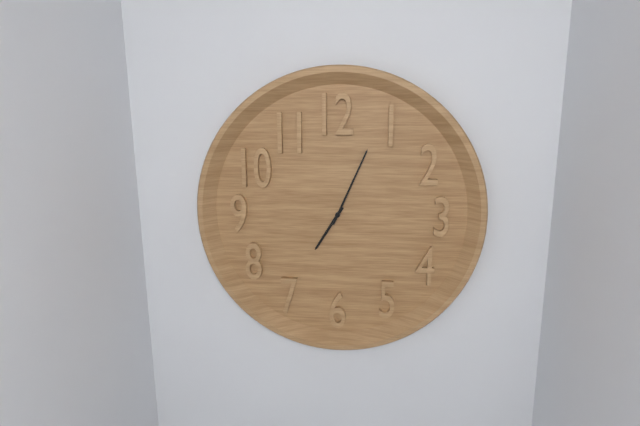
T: 7.04
